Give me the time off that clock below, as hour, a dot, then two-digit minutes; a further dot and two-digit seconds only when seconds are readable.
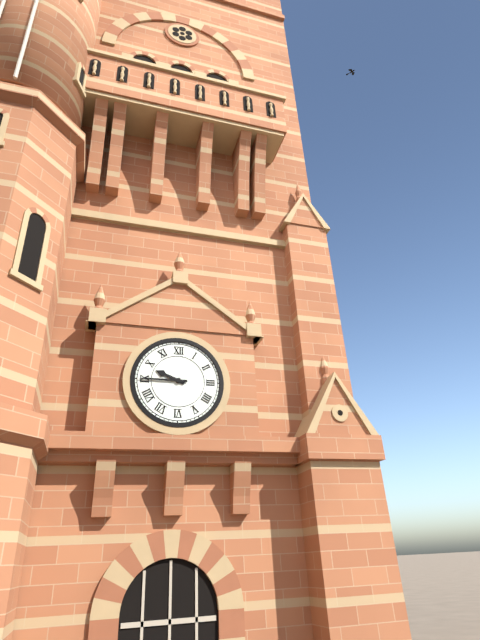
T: 9.45
